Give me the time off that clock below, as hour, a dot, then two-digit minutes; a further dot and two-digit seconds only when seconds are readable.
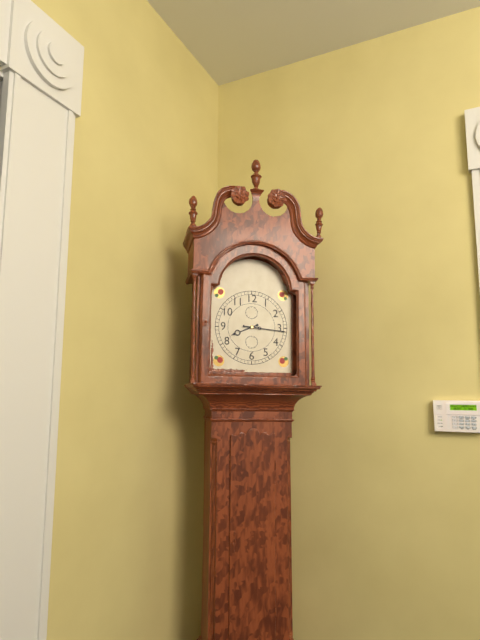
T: 8.16
